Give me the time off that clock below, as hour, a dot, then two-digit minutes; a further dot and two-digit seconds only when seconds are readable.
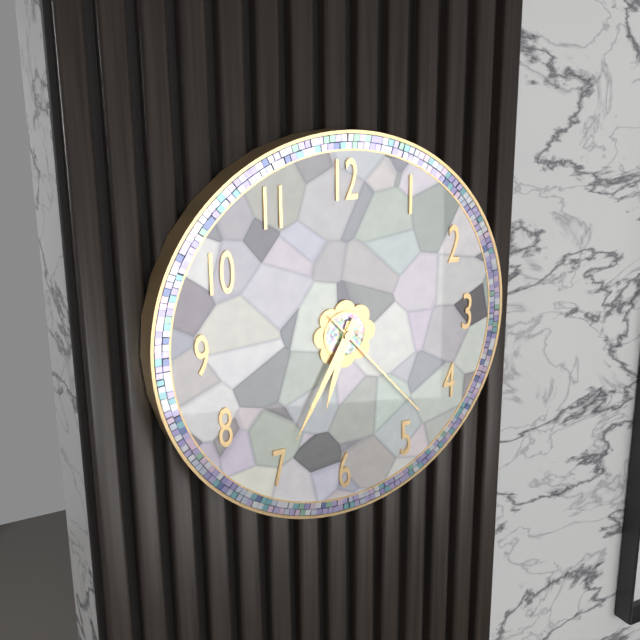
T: 6.35.23
